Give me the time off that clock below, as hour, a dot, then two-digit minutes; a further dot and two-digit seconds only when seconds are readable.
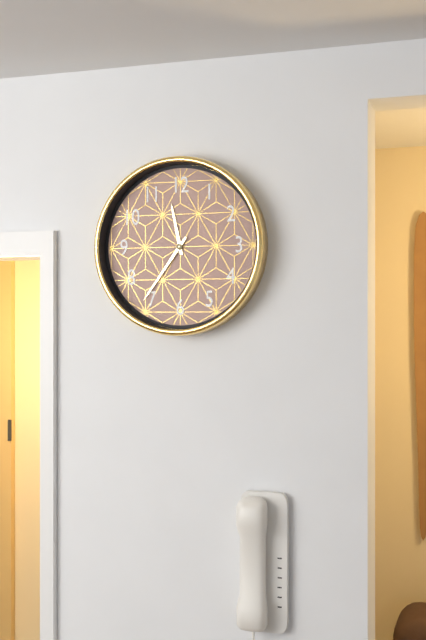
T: 11.36
